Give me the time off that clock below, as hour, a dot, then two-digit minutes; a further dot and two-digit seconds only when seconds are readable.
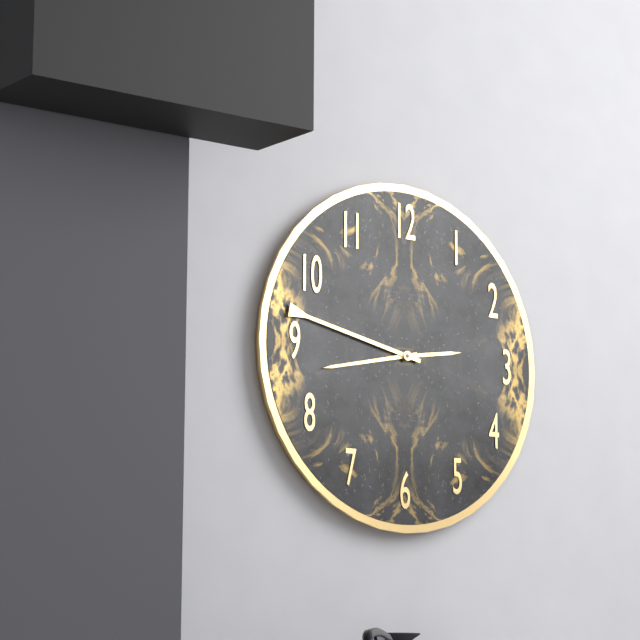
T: 2.43.47
